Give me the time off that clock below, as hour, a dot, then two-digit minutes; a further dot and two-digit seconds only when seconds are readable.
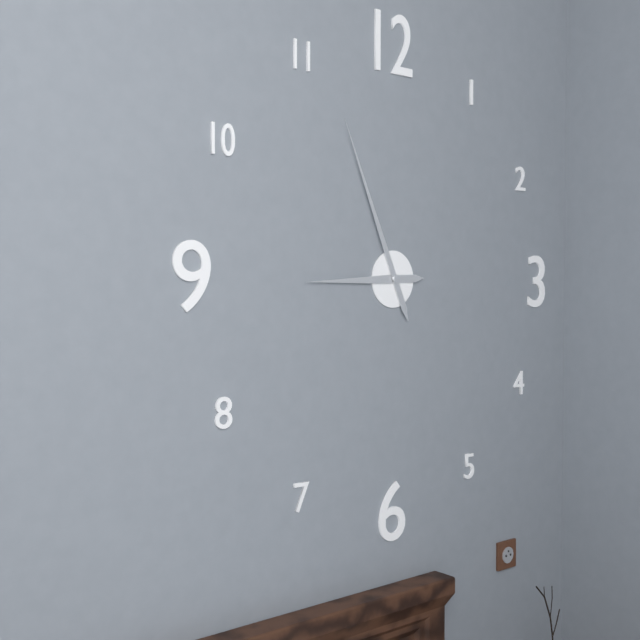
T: 8.56
